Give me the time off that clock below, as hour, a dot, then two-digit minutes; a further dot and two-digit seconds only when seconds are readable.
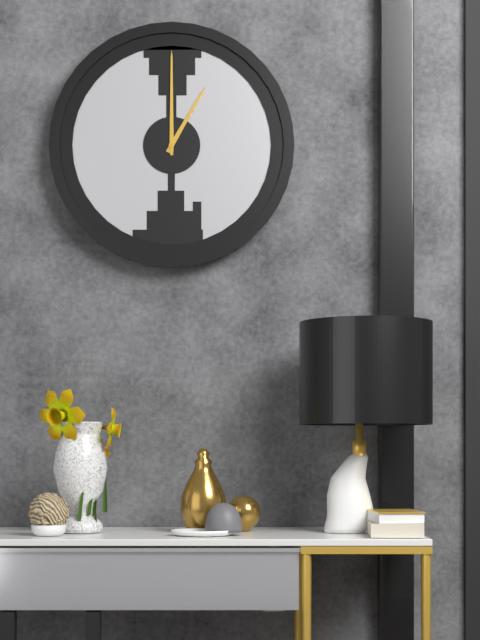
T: 1.00
